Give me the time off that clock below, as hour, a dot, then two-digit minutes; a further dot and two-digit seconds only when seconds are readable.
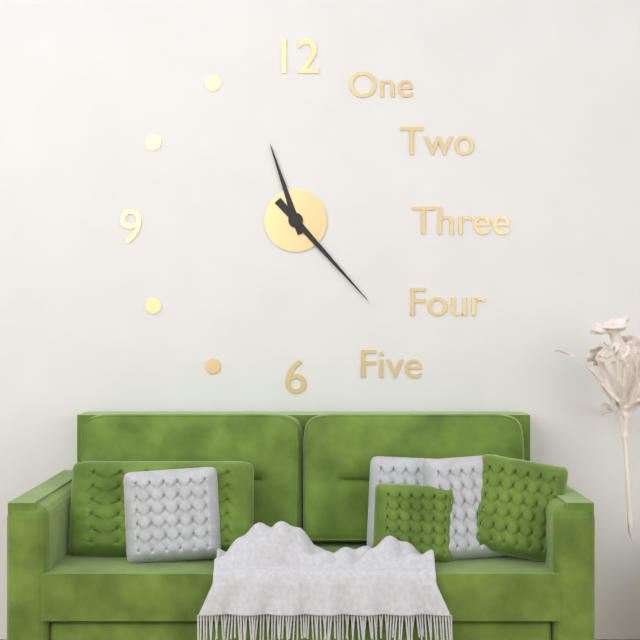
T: 11.23
